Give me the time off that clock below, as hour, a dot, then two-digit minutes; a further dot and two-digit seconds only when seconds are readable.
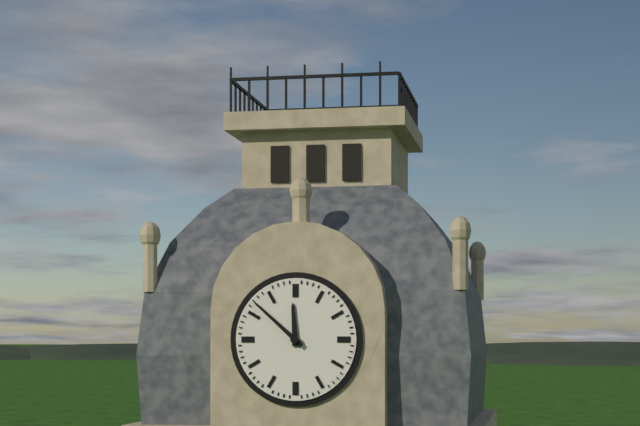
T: 11.52
